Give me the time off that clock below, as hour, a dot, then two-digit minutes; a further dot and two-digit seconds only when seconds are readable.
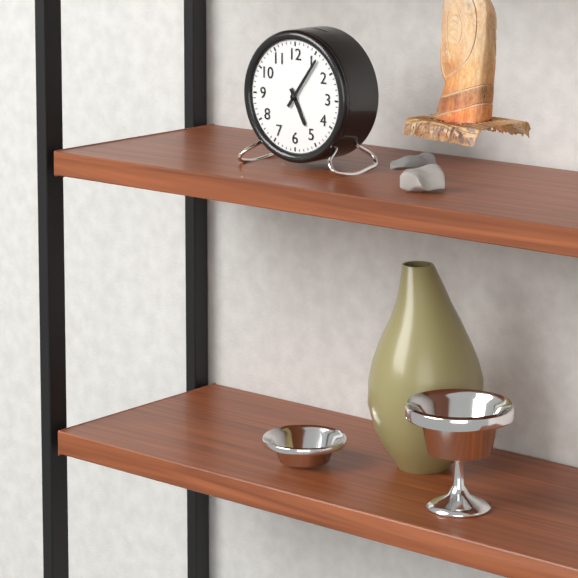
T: 5.06
